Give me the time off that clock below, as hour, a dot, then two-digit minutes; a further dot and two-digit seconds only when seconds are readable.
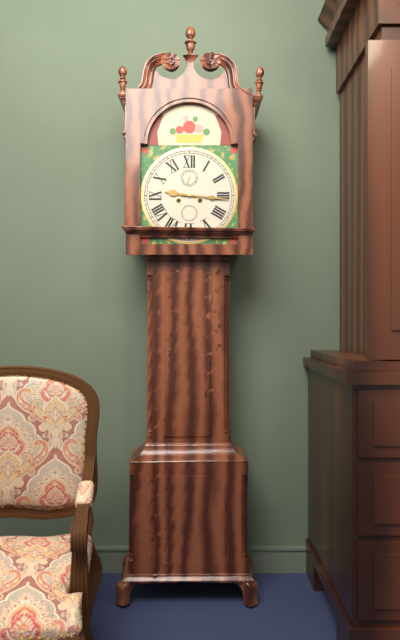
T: 9.16
